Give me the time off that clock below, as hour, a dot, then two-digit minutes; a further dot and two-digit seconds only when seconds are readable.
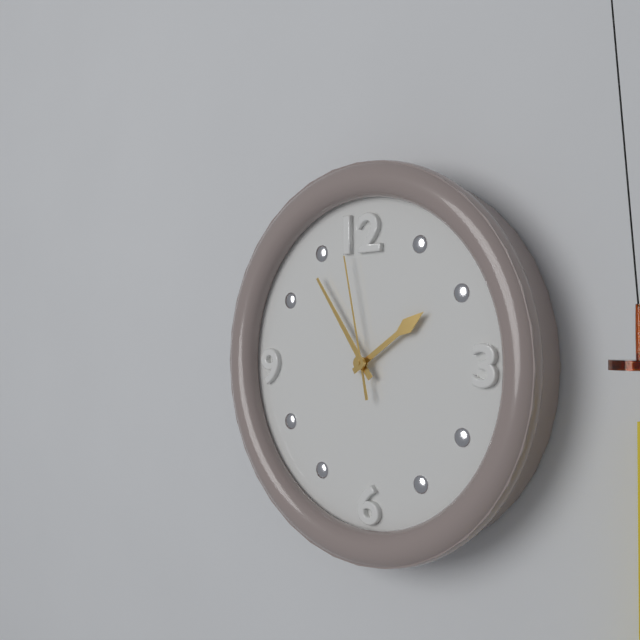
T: 1.54.58
